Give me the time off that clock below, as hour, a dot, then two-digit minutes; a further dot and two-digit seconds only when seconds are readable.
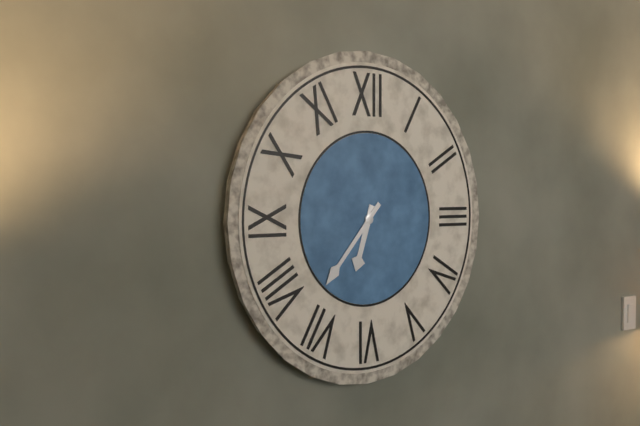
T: 6.37
